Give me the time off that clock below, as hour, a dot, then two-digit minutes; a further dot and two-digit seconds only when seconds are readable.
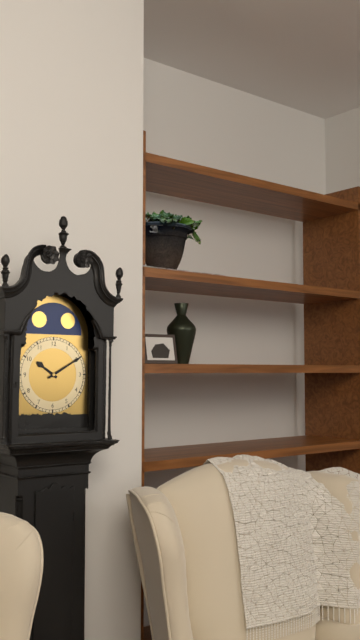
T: 10.10
